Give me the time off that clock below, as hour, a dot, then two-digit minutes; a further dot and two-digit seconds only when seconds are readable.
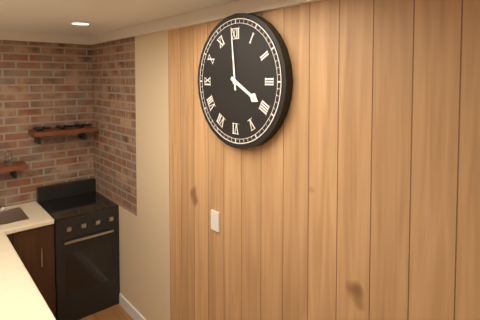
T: 3.59
